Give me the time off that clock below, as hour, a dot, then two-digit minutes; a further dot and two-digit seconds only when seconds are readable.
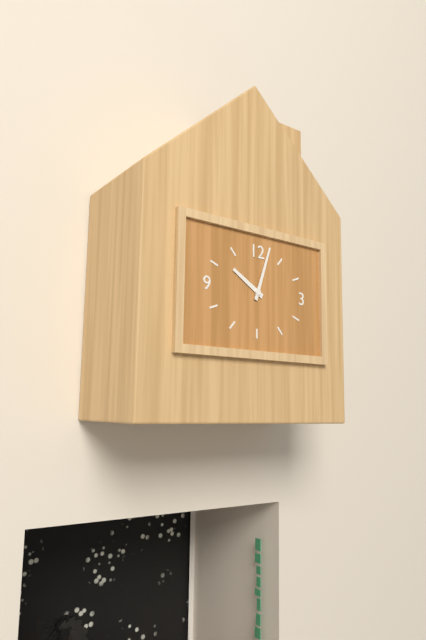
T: 10.03
